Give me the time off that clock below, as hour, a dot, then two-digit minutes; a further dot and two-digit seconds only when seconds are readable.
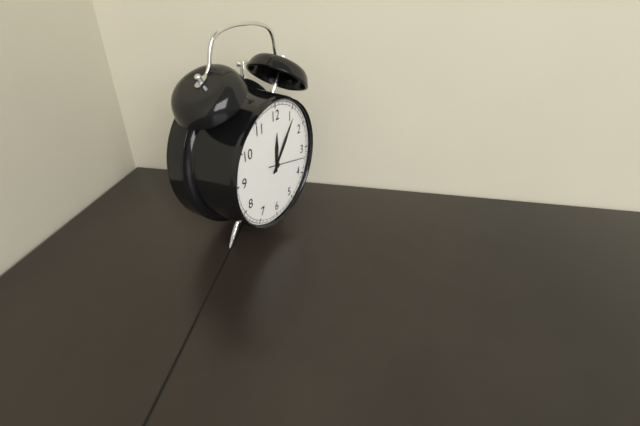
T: 12.06
